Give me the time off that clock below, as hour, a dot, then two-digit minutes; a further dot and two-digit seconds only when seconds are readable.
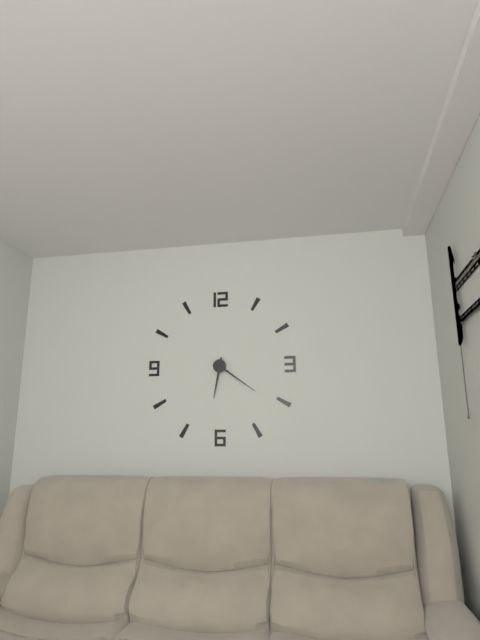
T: 6.21
